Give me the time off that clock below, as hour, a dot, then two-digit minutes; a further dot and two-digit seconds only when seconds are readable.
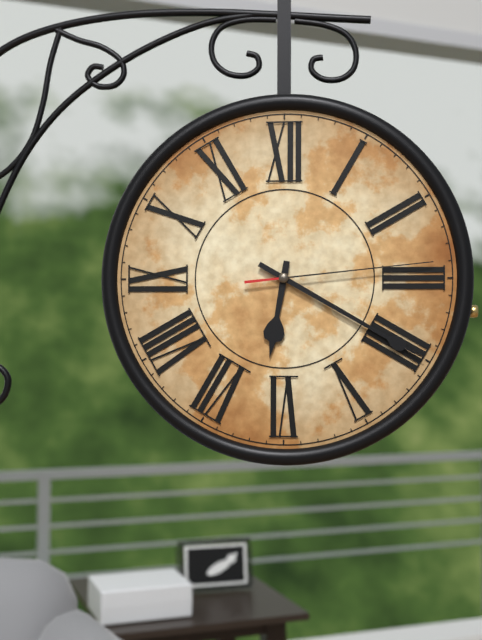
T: 6.20.14
